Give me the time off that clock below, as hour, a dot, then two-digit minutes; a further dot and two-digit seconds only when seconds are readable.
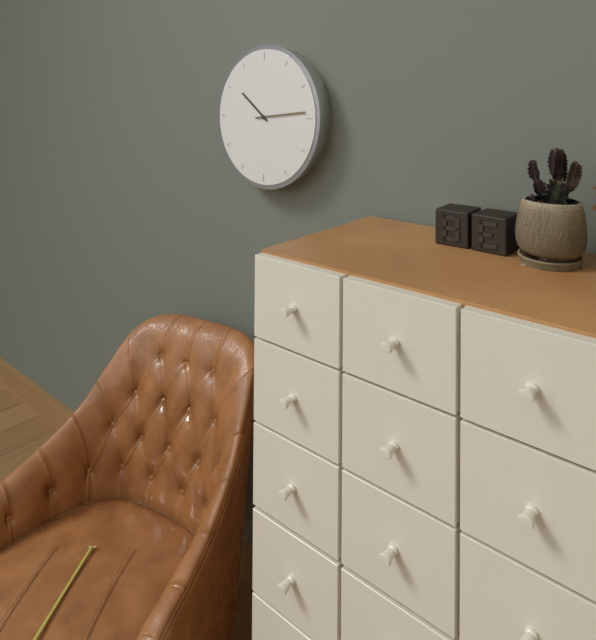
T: 10.14
